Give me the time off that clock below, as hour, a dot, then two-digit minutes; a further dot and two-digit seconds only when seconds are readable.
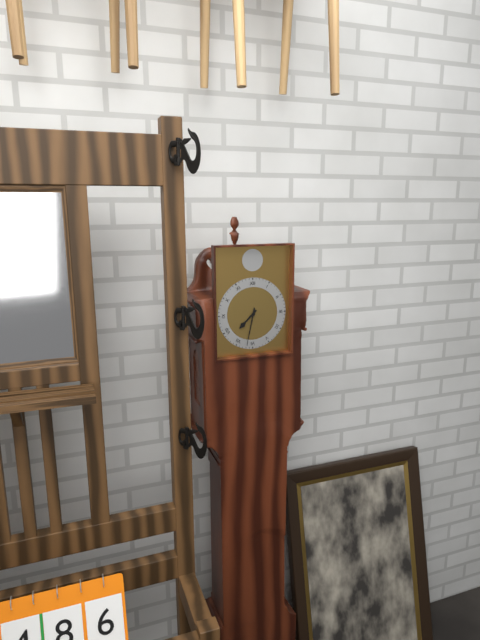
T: 7.32
